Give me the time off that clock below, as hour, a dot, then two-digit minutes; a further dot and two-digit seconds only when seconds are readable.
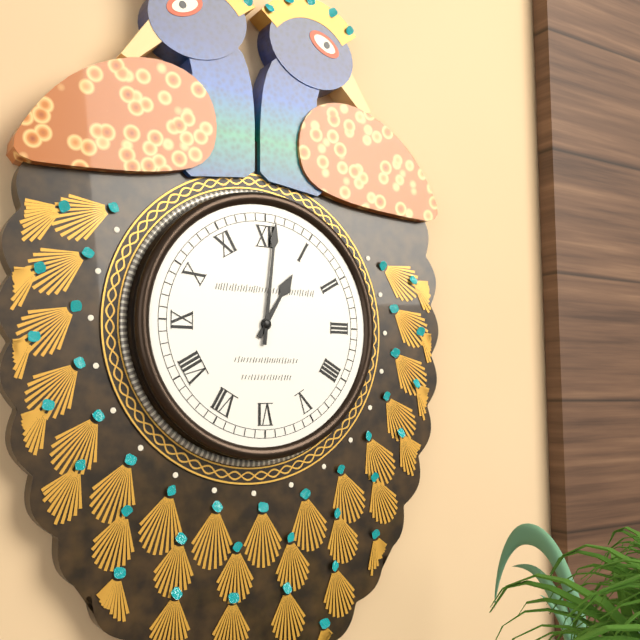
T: 1.01
